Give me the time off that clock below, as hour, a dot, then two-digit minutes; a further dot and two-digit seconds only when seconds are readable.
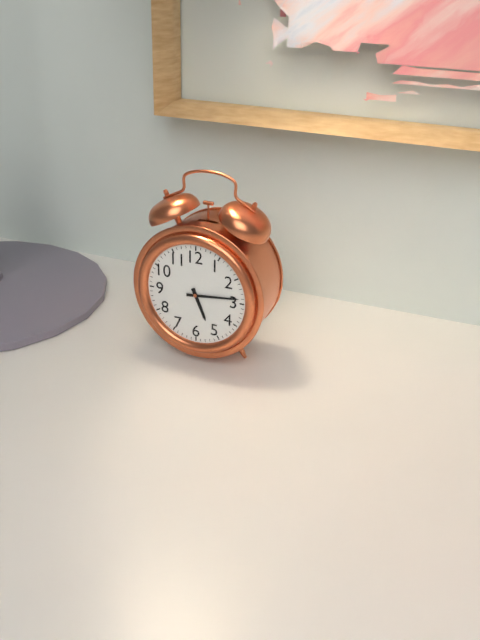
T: 5.14
